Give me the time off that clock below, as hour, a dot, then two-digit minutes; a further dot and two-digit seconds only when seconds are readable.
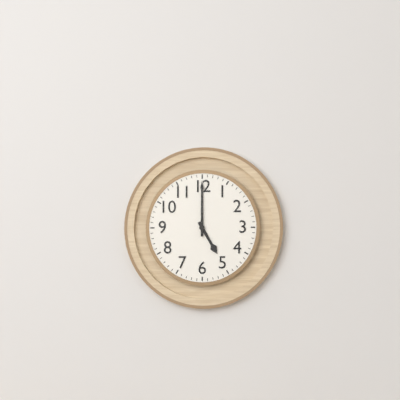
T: 5.00
